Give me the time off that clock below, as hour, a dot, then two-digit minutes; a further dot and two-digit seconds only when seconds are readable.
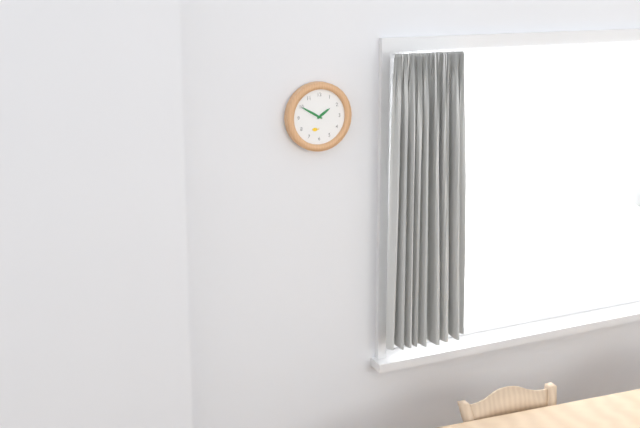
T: 1.50
